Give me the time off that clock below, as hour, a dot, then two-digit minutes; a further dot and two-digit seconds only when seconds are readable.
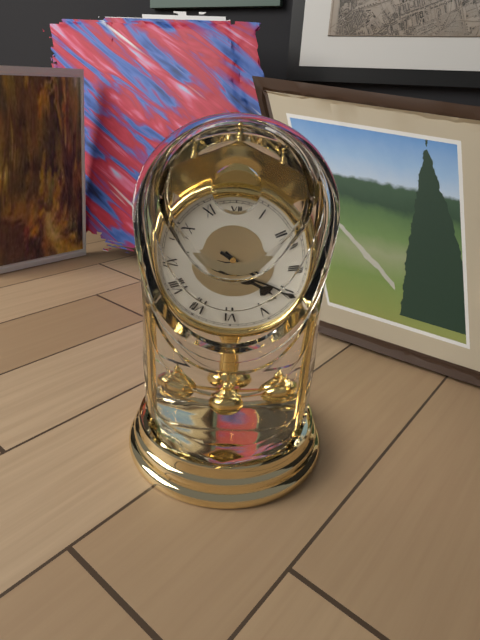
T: 4.20
